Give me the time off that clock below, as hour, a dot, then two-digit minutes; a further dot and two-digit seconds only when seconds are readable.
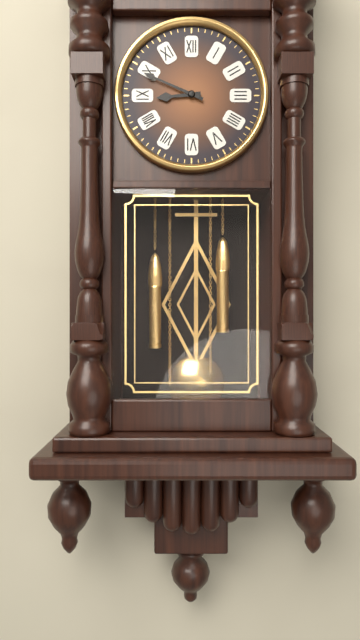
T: 8.49
